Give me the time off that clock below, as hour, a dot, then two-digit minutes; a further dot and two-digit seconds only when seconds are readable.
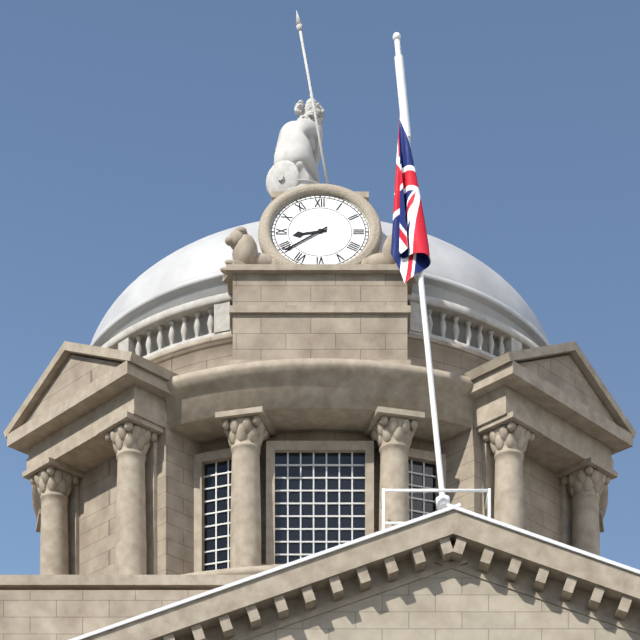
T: 8.39
